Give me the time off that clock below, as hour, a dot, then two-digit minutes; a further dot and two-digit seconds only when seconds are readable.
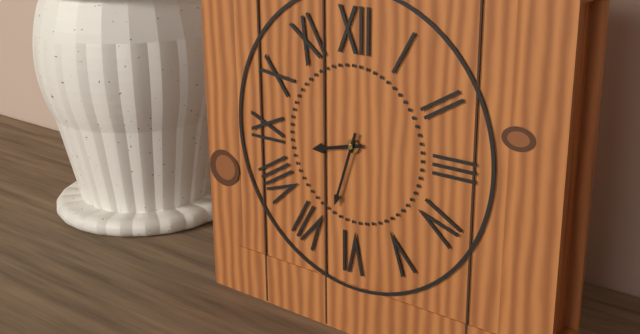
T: 8.33
